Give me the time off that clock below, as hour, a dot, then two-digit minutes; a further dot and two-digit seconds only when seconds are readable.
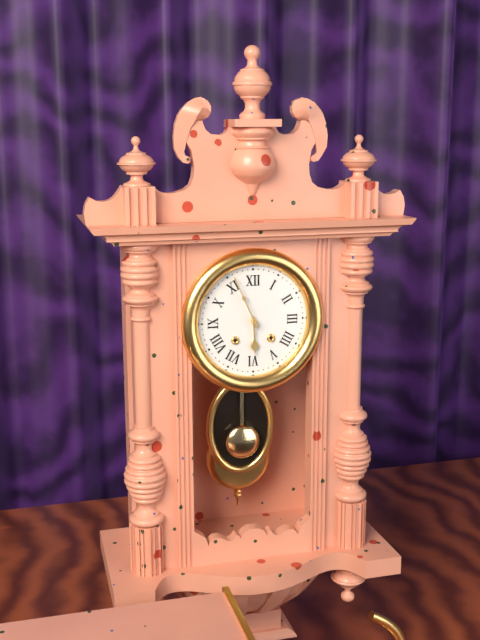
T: 5.56
